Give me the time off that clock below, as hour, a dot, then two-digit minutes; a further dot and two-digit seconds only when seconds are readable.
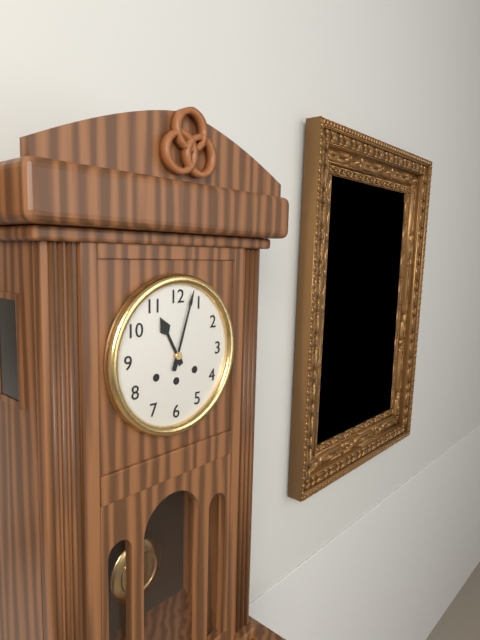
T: 11.03
